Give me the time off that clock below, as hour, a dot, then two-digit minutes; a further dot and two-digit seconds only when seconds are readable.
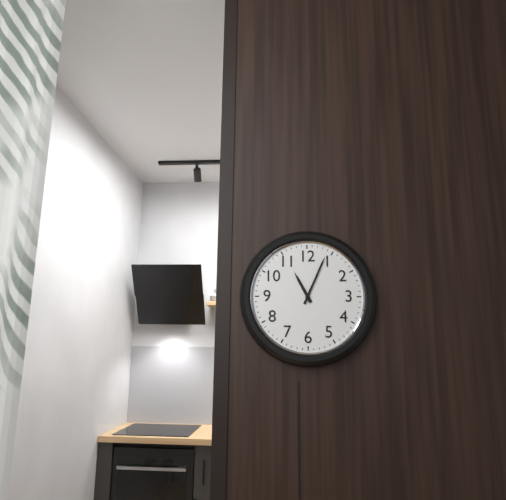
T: 11.04
